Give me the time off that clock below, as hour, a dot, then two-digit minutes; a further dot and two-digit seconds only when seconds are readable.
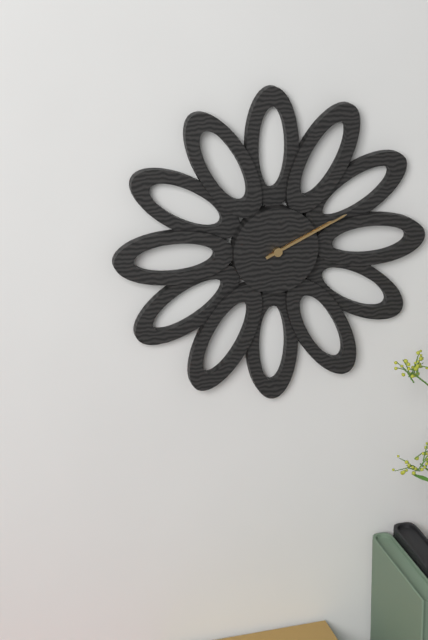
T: 2.11
